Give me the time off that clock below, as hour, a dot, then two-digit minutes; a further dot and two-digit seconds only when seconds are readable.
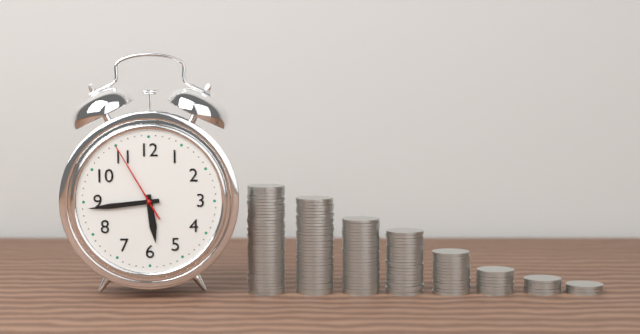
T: 5.44.55
